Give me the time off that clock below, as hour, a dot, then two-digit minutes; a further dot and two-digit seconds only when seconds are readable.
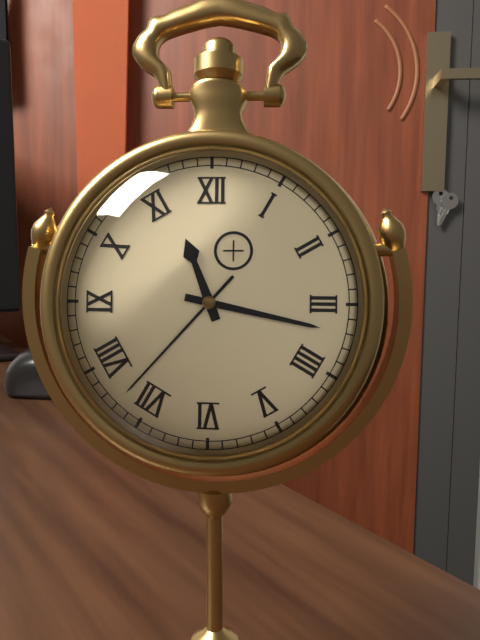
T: 11.17.37
